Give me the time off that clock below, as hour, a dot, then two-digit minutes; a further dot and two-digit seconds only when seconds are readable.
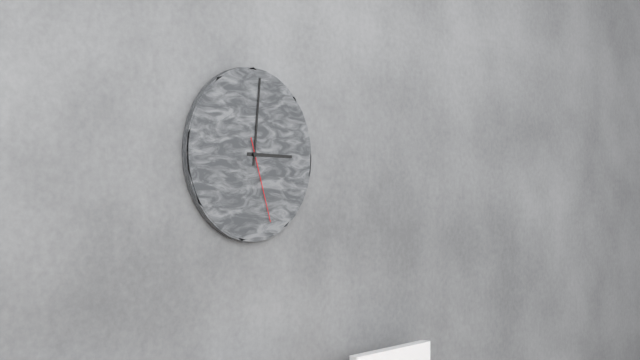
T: 3.01.27
